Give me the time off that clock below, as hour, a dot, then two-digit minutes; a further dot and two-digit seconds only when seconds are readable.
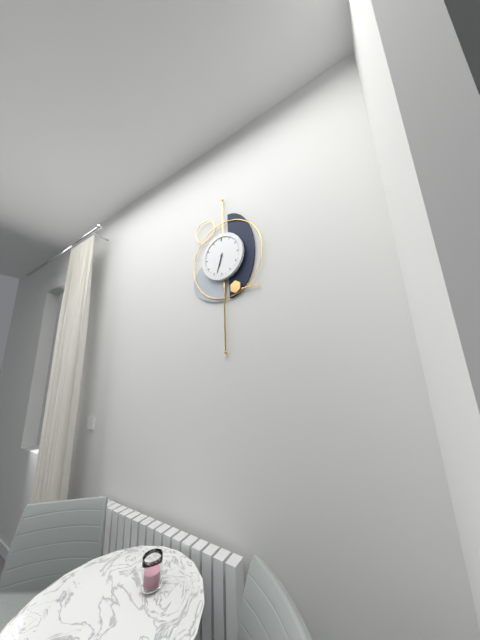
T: 6.33
